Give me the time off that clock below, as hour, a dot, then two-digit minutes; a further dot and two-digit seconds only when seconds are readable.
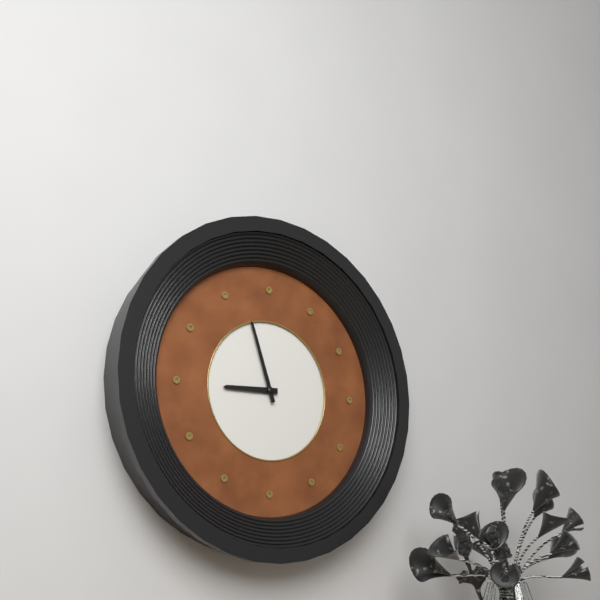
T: 8.57
